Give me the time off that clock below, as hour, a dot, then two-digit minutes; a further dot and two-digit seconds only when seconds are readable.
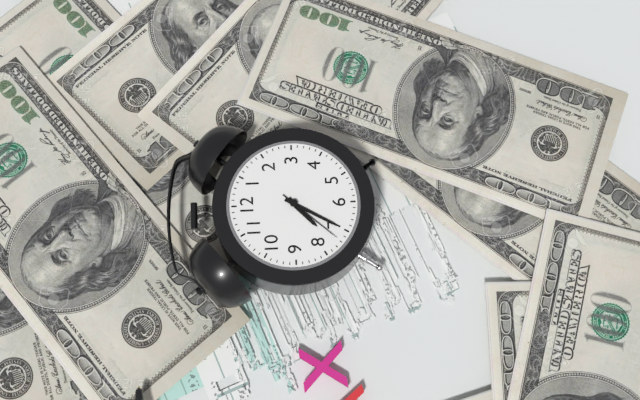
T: 7.35.37
